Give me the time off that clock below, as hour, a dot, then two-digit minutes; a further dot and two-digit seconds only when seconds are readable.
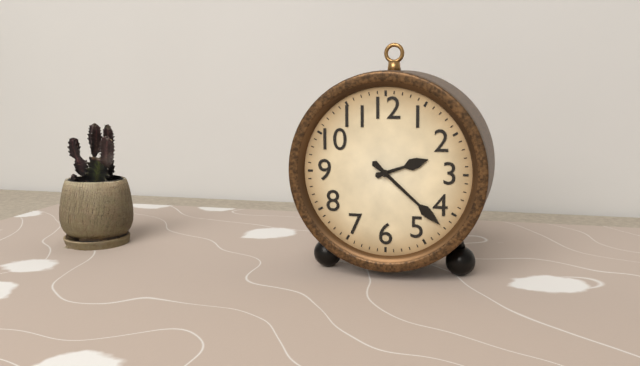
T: 2.22
